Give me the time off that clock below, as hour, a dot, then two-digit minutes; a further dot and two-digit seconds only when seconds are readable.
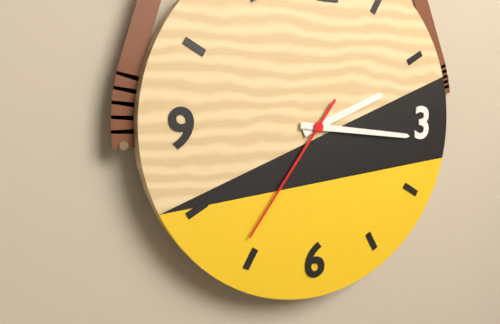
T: 2.16.36
